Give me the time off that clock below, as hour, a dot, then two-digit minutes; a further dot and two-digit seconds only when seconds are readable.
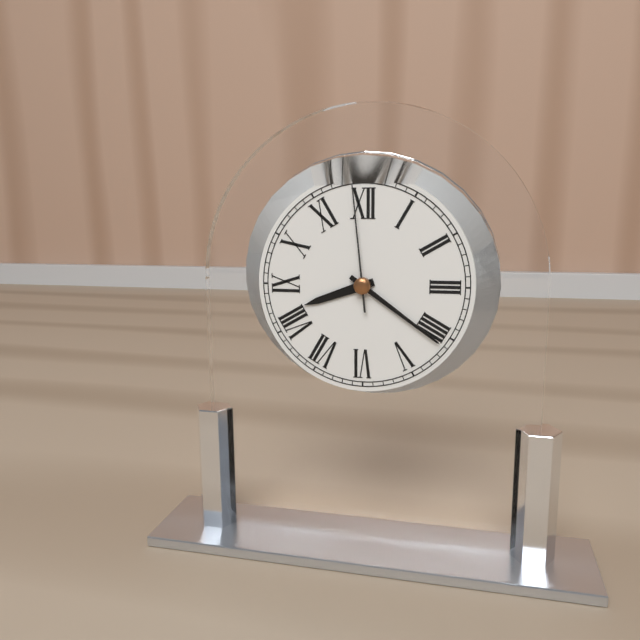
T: 8.21.59
